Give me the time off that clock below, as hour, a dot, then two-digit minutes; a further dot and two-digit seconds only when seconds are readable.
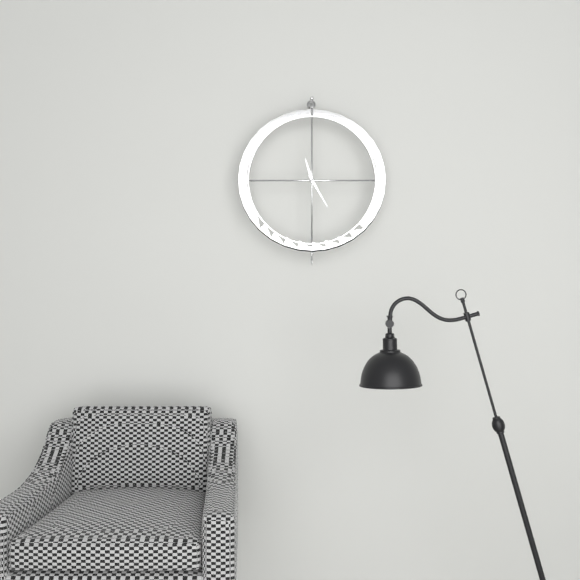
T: 11.25
